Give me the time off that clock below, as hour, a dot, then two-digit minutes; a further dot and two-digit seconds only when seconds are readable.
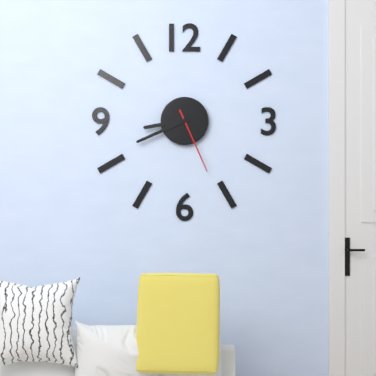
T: 8.41.26
